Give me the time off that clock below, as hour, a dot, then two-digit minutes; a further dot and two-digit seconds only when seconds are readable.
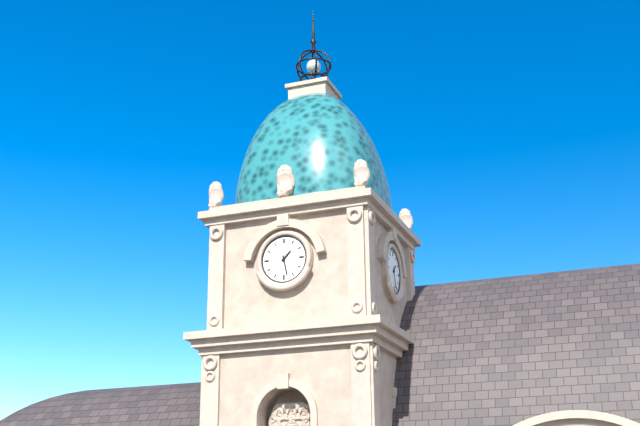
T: 1.28
